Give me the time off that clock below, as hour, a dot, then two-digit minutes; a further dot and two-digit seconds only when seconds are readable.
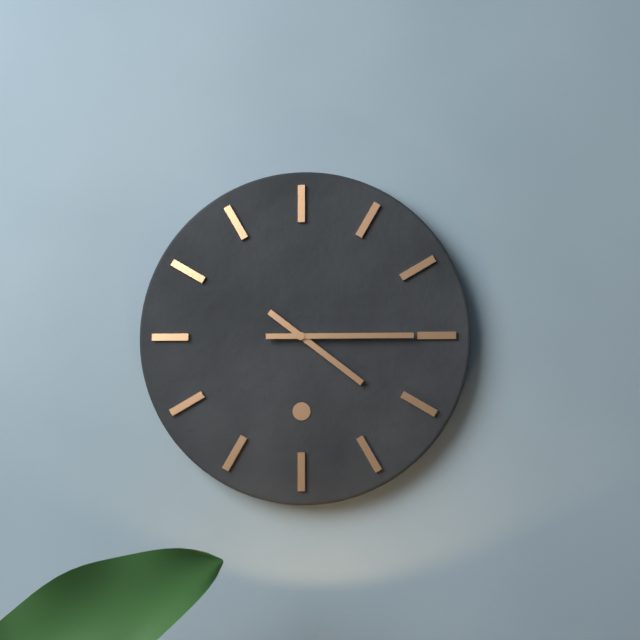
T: 4.15
